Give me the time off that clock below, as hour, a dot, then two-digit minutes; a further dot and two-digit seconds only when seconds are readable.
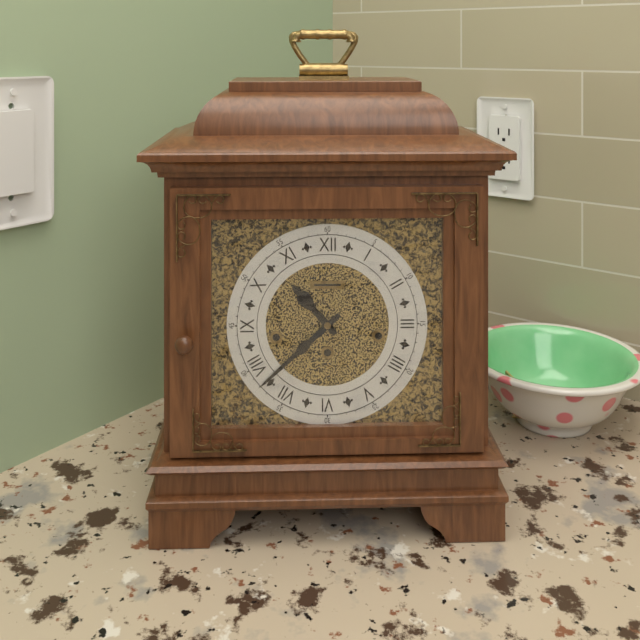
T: 10.38
